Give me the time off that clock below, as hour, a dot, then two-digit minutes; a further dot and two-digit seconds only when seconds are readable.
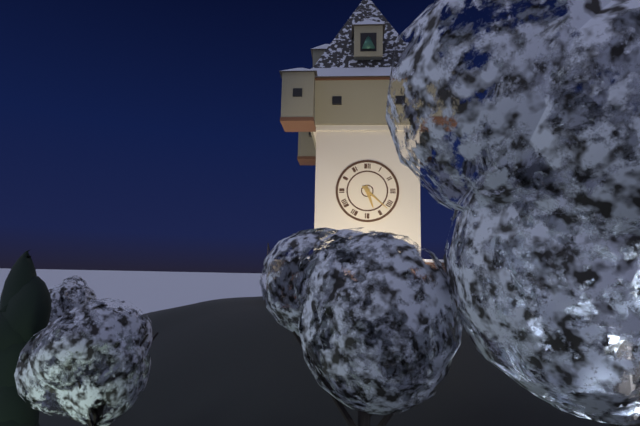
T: 5.22
